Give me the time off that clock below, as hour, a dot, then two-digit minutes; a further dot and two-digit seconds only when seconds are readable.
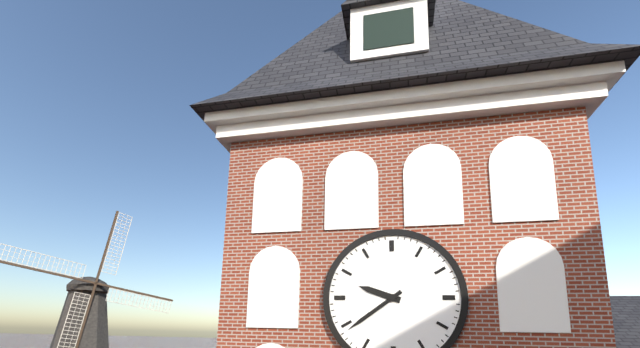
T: 9.39
